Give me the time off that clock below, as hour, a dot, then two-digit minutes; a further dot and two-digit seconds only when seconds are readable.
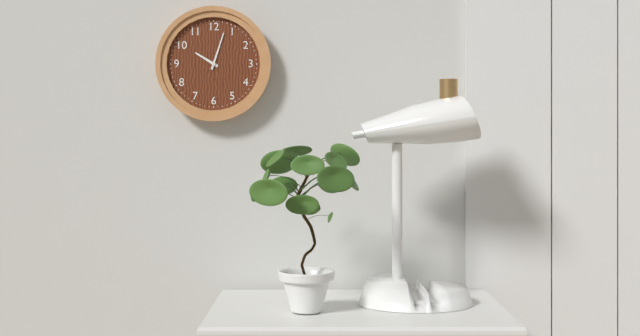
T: 10.03
